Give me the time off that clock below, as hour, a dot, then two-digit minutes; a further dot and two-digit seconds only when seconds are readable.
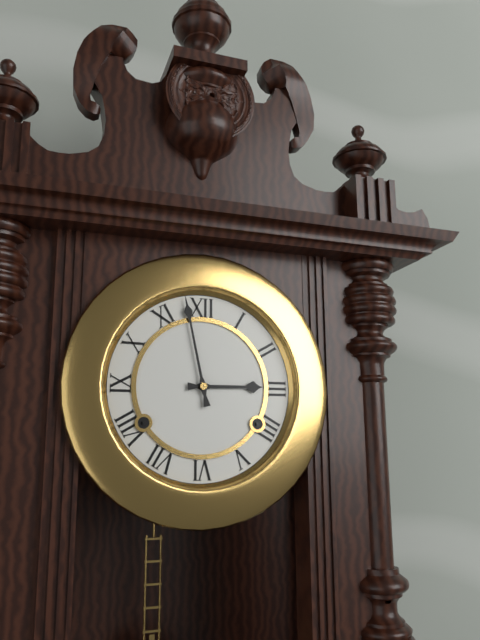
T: 2.58
